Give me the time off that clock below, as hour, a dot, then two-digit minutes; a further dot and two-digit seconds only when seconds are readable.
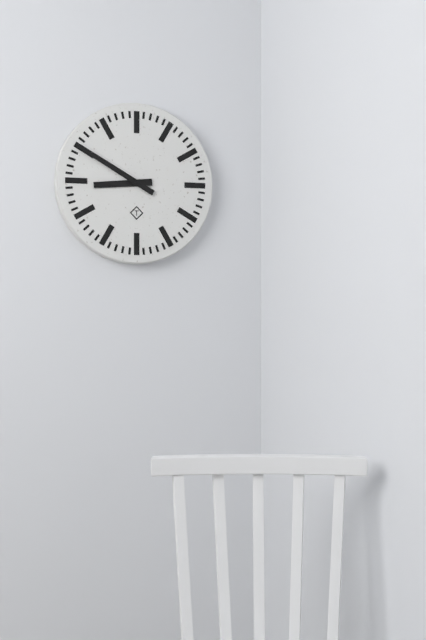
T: 8.50
